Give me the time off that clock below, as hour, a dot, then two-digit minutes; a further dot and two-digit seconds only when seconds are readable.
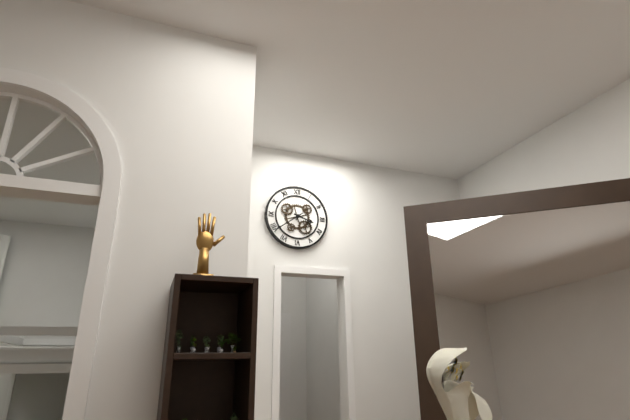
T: 3.39
